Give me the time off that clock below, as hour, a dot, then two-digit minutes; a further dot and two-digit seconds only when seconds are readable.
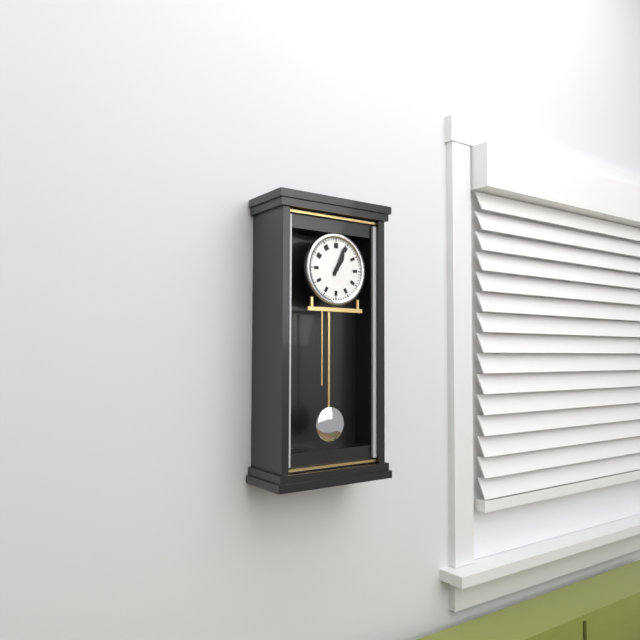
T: 1.04
